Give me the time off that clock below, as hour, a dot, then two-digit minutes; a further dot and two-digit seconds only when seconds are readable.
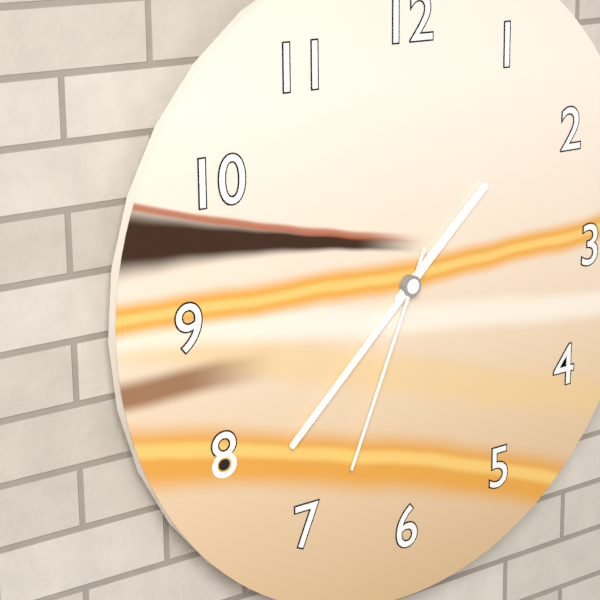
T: 1.38.34
